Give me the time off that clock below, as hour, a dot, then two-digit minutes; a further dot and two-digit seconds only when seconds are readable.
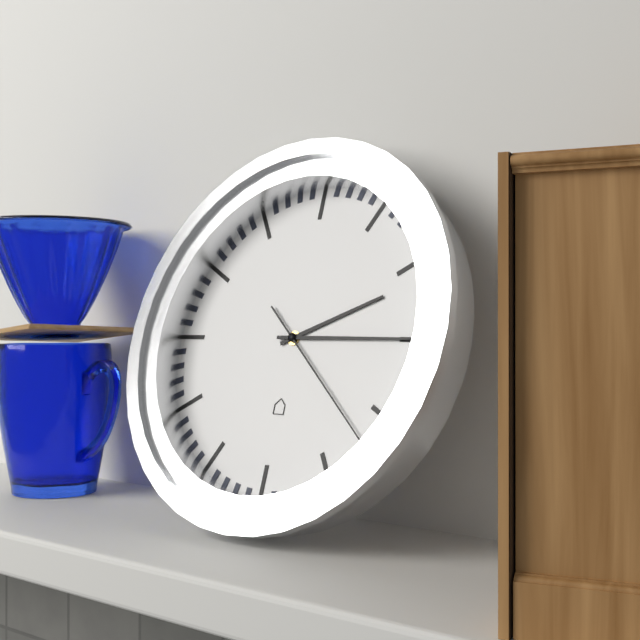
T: 2.15.22
